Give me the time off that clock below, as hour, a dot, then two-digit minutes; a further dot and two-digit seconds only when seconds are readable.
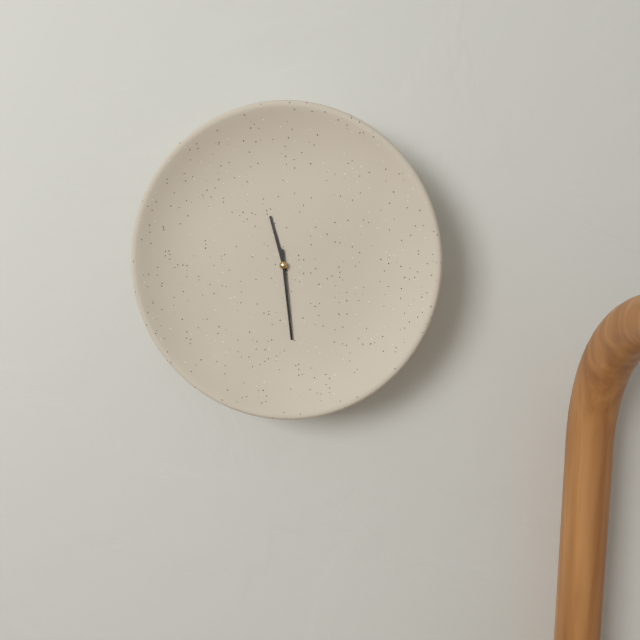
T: 11.29
